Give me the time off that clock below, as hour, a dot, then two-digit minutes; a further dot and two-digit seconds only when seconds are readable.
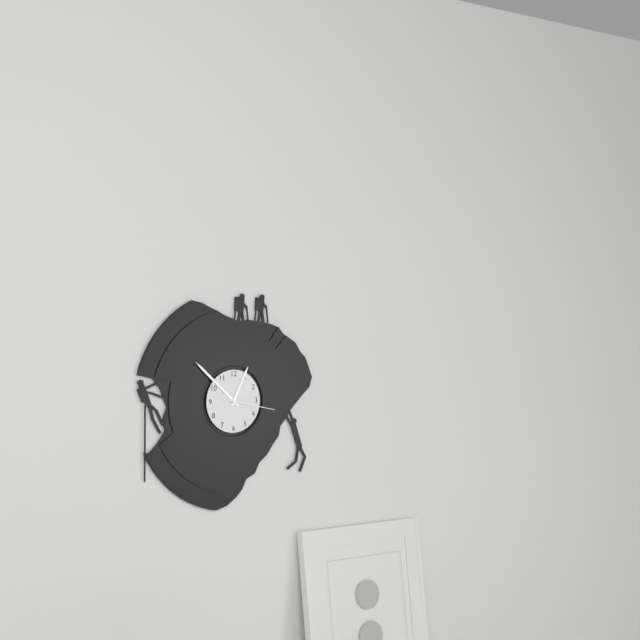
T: 12.52.17
